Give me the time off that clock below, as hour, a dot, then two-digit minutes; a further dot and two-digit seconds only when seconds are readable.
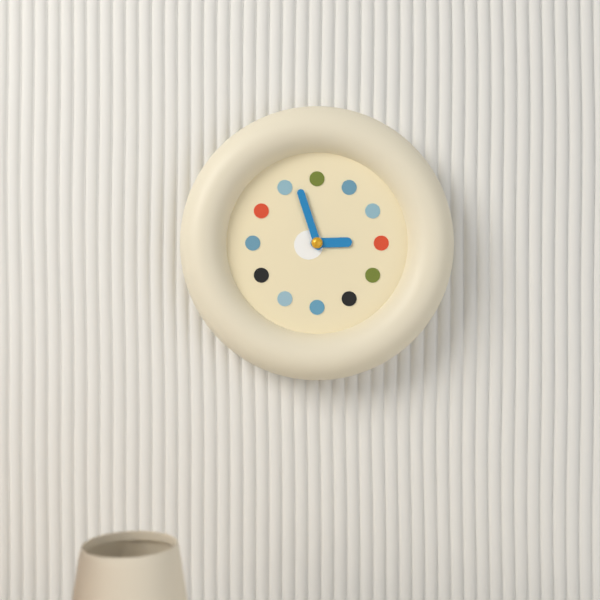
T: 2.57
